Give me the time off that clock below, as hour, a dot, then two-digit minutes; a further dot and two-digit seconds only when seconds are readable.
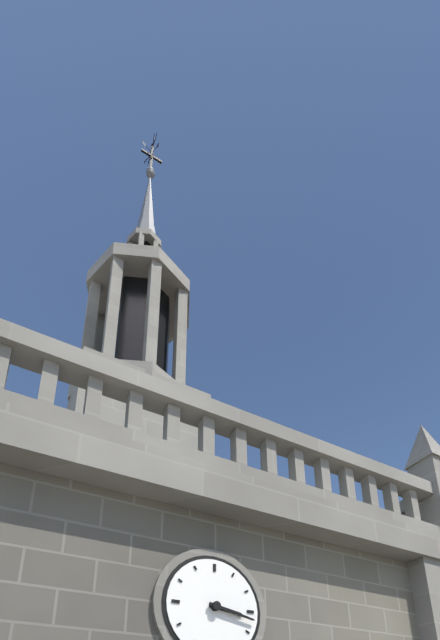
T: 3.17
